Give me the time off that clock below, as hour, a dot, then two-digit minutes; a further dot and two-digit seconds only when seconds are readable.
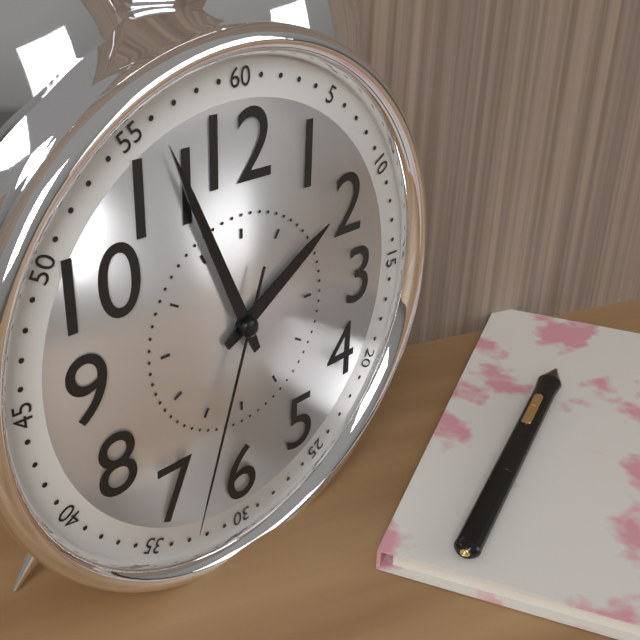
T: 1.56.33
